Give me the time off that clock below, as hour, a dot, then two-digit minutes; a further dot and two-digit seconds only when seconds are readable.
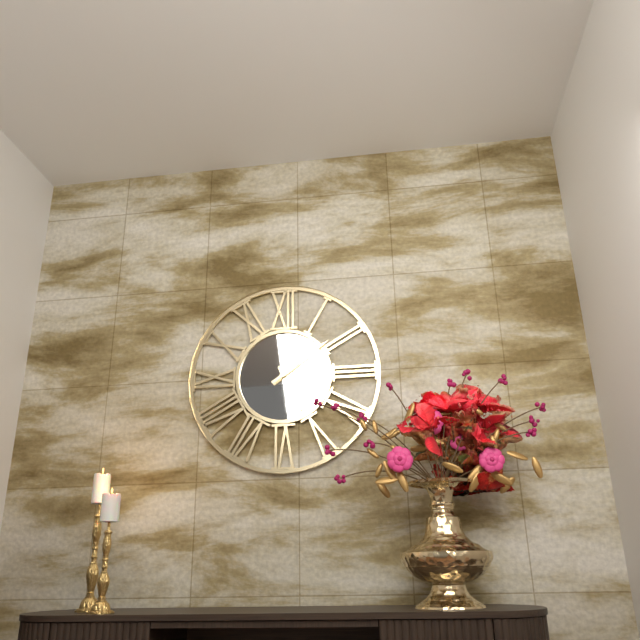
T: 5.09
